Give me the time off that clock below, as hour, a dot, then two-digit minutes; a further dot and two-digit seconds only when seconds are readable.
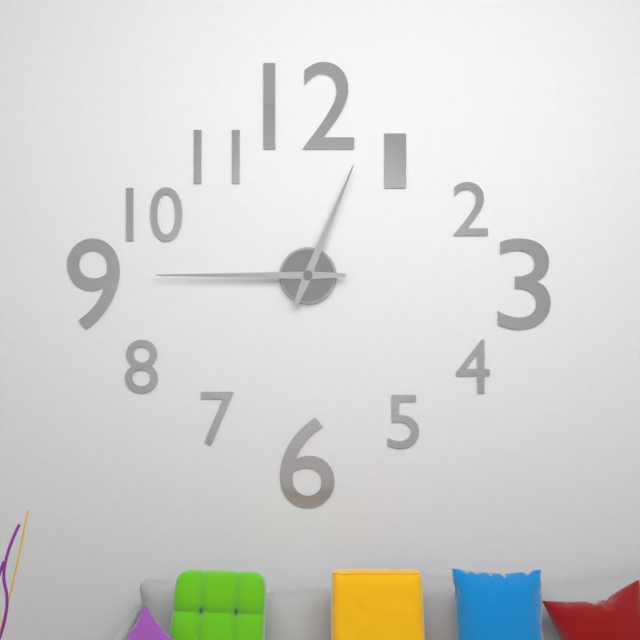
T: 12.45
